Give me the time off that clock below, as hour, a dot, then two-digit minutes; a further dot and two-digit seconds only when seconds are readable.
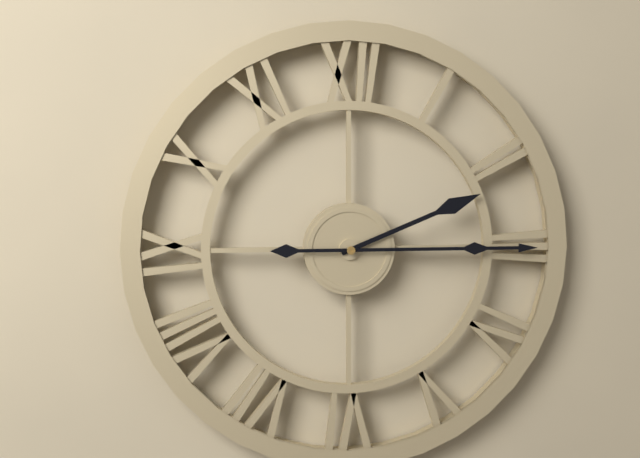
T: 2.15
